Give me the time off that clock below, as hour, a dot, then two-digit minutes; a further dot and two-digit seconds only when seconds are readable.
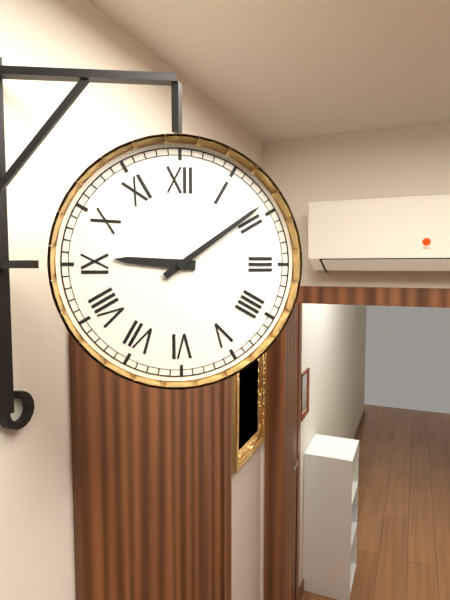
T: 9.09
